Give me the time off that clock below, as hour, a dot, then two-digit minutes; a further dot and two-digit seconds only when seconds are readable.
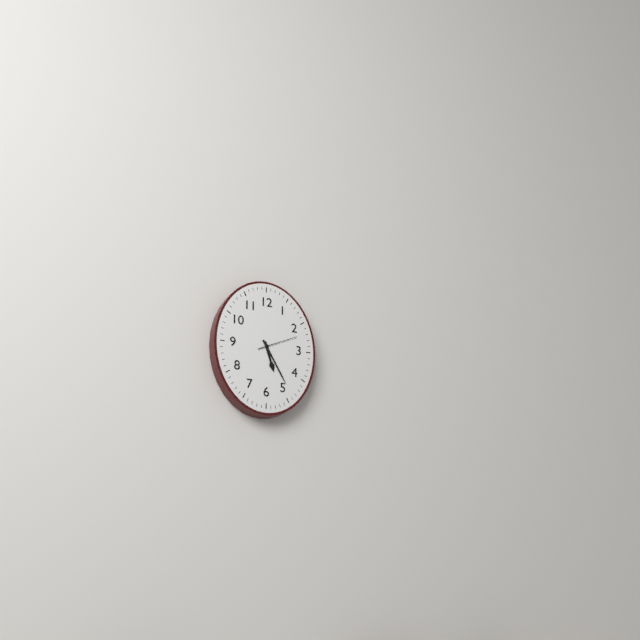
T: 5.25
